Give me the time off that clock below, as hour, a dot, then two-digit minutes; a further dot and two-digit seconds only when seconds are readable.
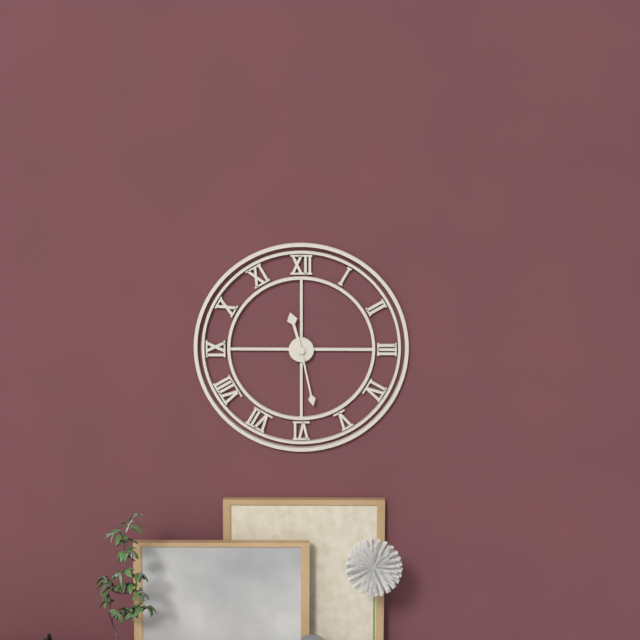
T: 11.28
